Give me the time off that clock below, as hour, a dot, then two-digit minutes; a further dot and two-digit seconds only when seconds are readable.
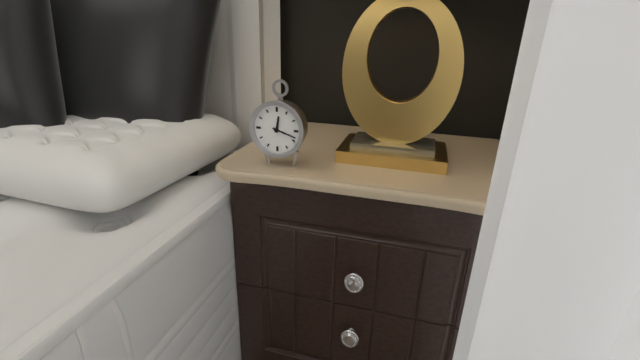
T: 12.18
